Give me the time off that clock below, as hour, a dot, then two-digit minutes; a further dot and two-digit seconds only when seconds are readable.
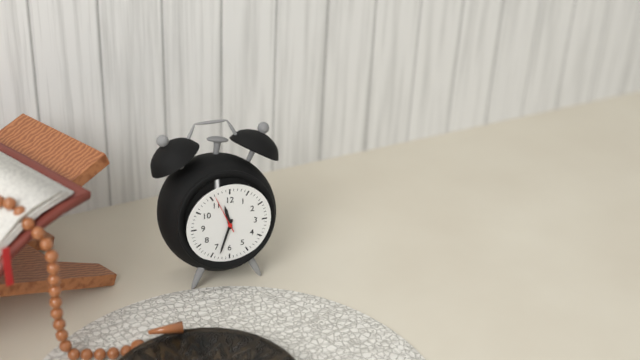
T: 11.33
